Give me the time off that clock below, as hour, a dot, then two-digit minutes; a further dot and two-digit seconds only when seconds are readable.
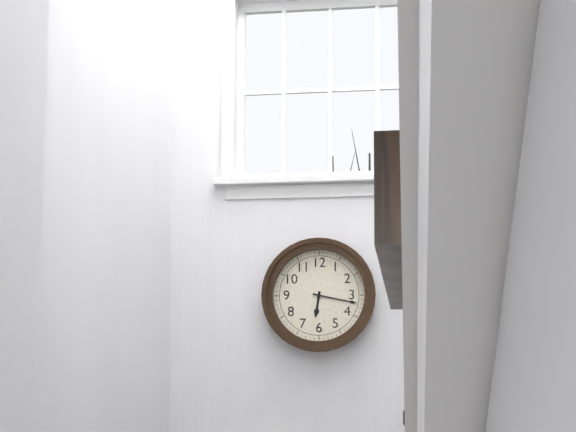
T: 6.17
